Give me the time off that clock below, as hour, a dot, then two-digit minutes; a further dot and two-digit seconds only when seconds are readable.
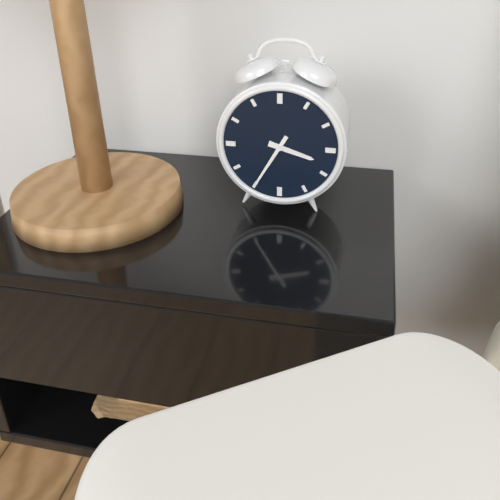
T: 3.35
